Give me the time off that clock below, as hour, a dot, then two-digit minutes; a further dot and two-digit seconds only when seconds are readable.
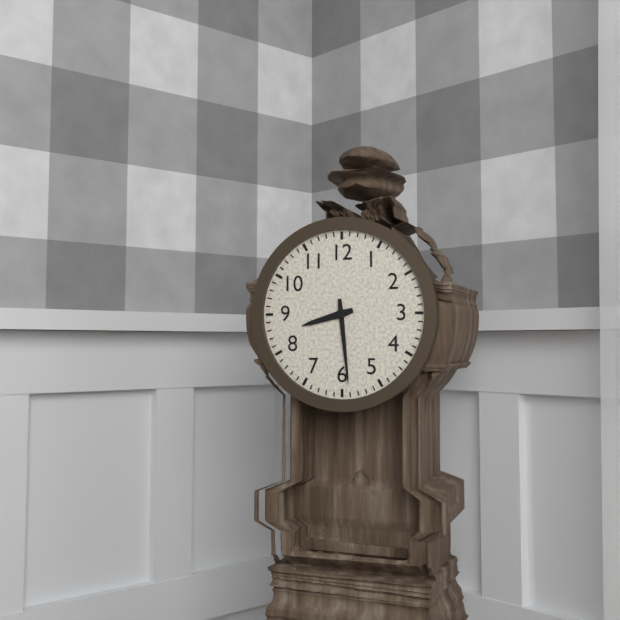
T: 8.29
